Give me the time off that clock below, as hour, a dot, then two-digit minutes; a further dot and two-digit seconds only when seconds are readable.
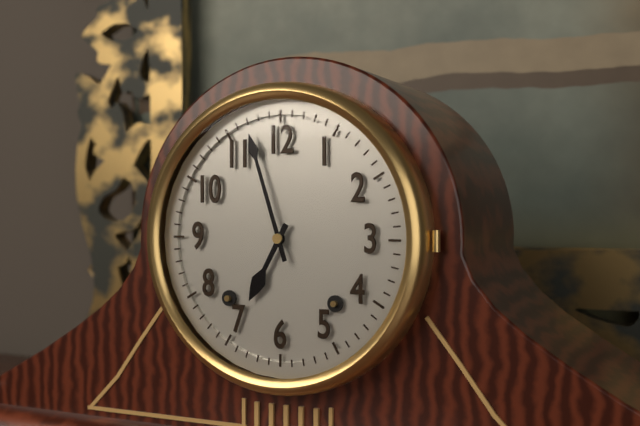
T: 6.57
